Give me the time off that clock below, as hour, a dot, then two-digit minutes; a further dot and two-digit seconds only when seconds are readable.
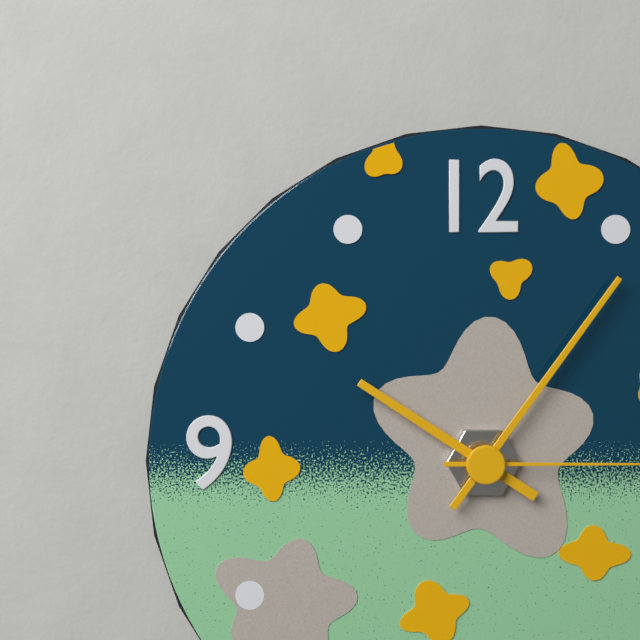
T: 10.06
